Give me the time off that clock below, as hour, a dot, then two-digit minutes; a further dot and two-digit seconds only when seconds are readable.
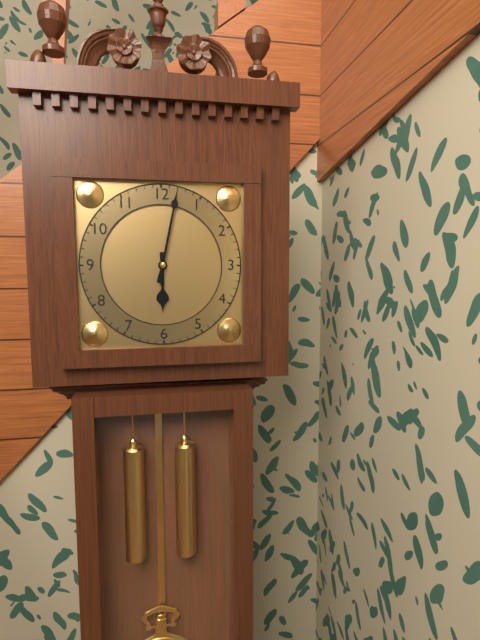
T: 6.02
